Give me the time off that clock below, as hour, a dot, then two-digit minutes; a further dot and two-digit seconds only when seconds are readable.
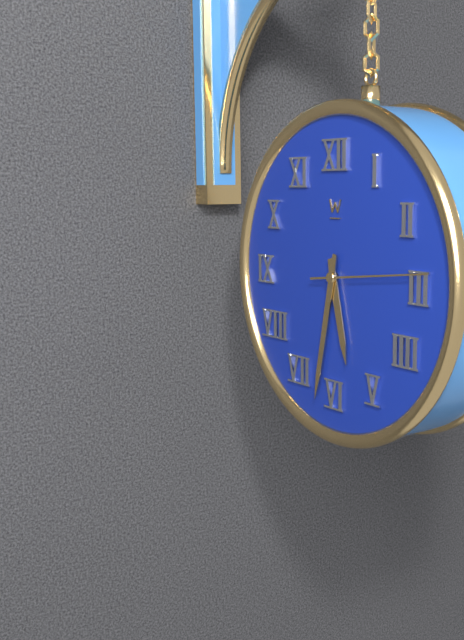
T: 5.32.14
